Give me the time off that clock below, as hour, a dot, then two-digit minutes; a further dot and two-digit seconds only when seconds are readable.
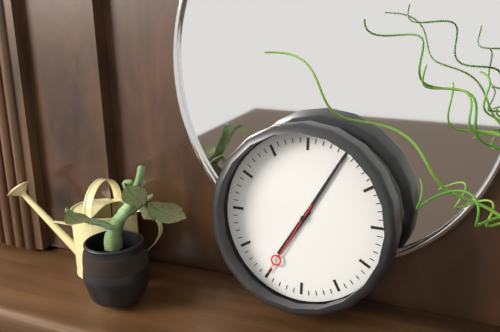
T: 7.05.35
